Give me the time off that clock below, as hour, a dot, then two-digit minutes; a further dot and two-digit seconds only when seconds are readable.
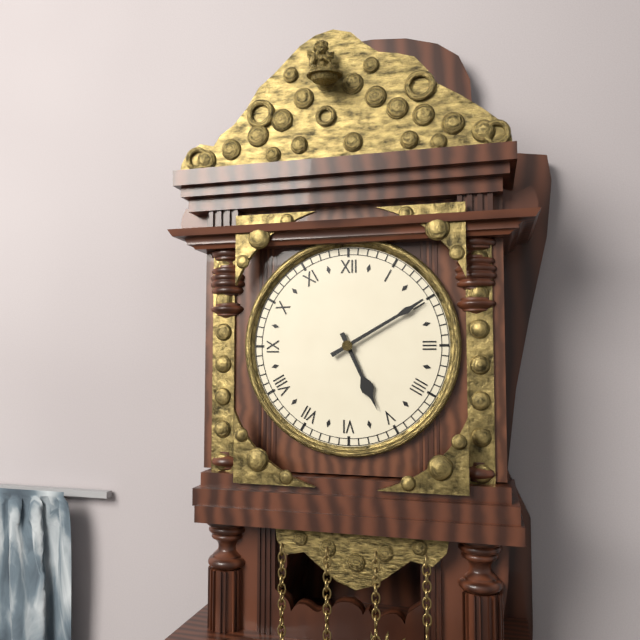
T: 5.10
